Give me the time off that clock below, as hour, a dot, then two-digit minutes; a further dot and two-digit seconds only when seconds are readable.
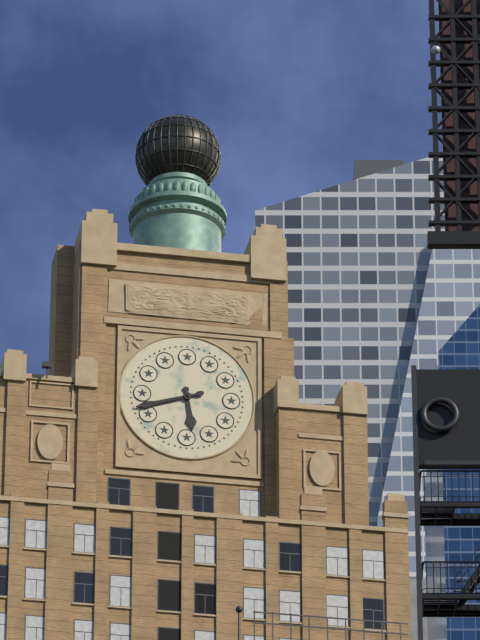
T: 5.42
